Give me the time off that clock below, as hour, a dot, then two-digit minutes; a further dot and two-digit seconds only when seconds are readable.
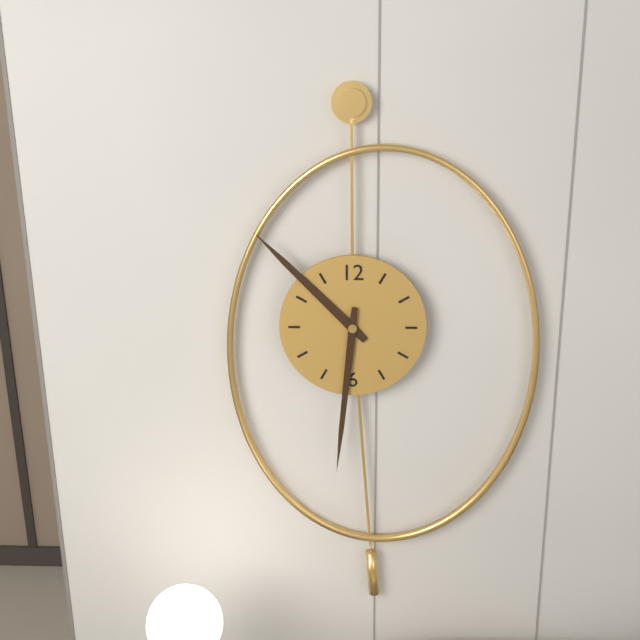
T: 10.31
